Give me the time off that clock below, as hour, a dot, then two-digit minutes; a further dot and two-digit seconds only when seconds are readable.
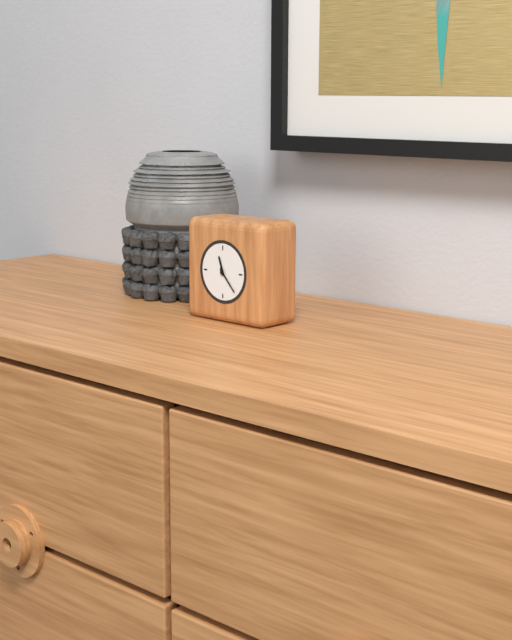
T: 11.23
